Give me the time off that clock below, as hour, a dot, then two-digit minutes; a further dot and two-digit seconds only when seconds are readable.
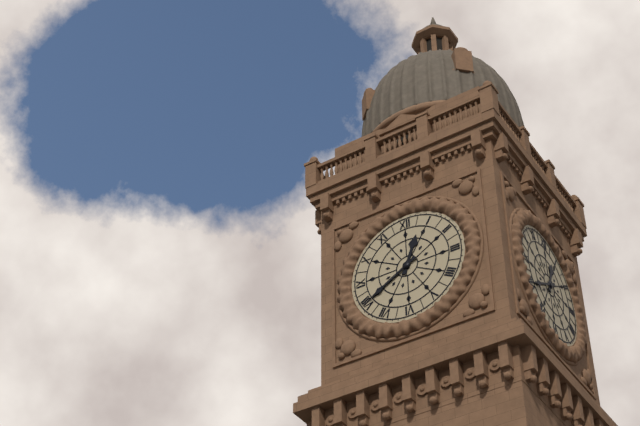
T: 12.40
